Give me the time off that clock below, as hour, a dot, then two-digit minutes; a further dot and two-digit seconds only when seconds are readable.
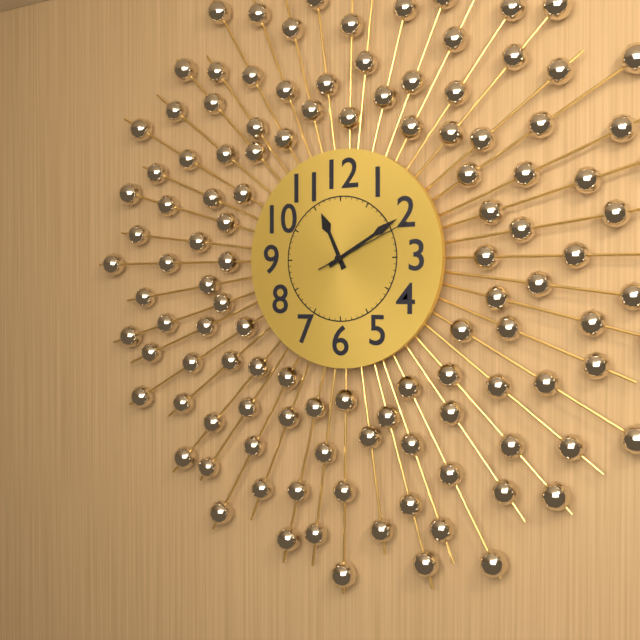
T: 11.10.11
